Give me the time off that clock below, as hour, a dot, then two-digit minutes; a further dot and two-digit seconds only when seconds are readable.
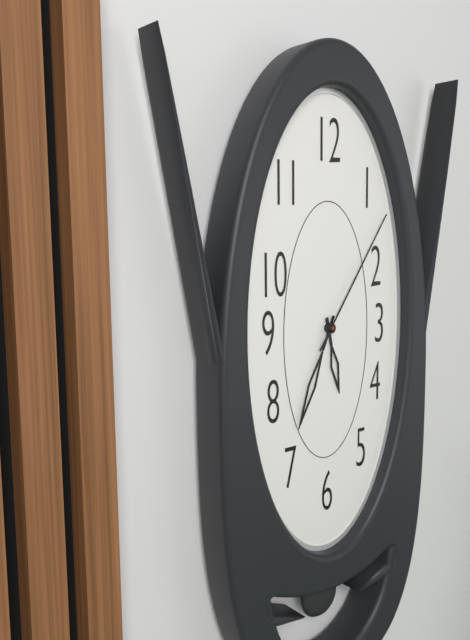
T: 5.34.06
